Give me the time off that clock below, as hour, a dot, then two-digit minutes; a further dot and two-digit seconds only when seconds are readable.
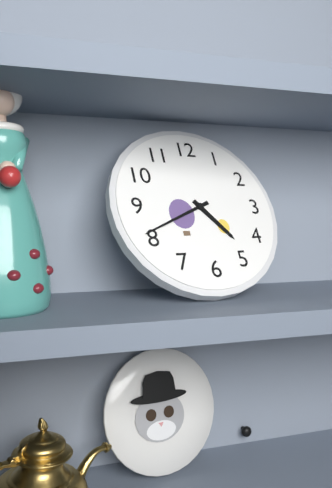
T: 4.41
